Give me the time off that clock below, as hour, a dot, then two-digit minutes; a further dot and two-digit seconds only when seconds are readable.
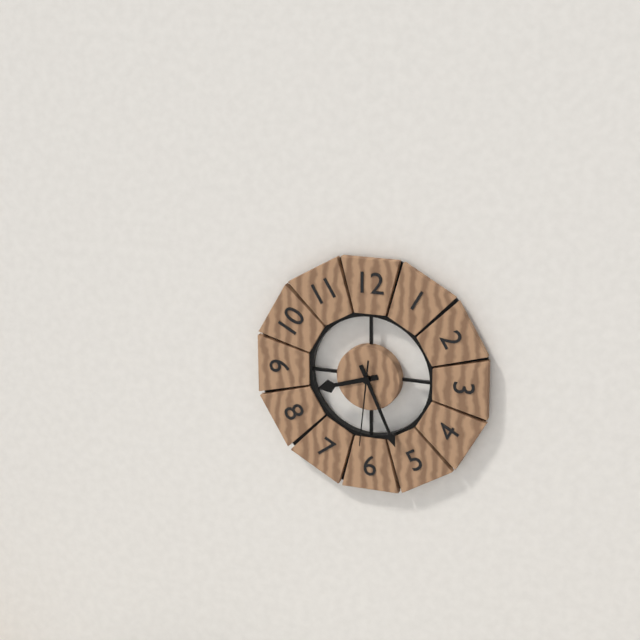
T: 8.26.31
